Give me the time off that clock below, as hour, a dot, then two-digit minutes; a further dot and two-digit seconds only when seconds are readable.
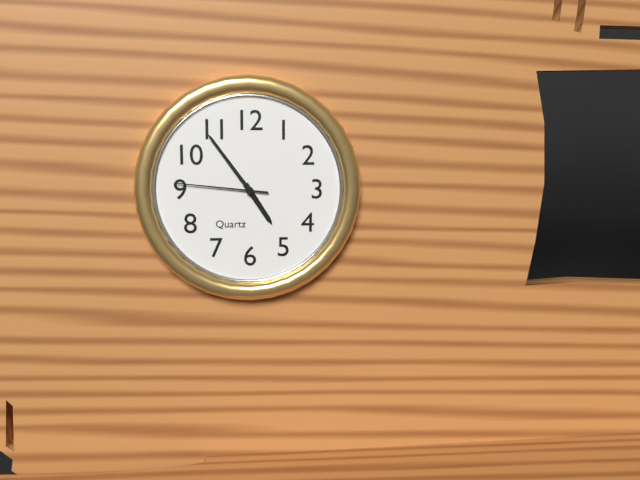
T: 4.54.46
